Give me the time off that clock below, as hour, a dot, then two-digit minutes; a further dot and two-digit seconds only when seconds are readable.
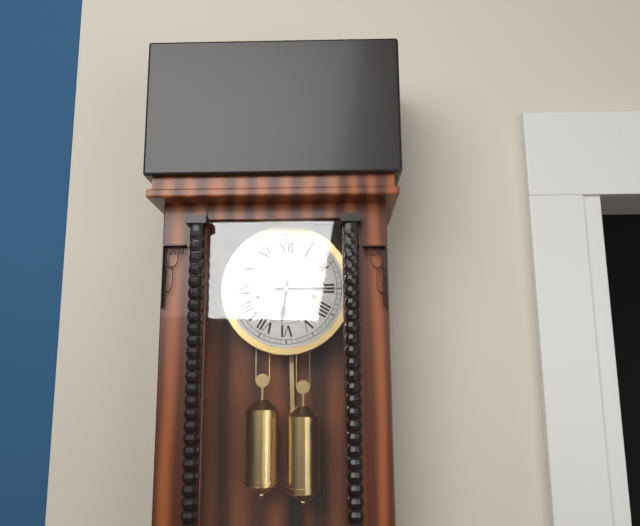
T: 6.15
